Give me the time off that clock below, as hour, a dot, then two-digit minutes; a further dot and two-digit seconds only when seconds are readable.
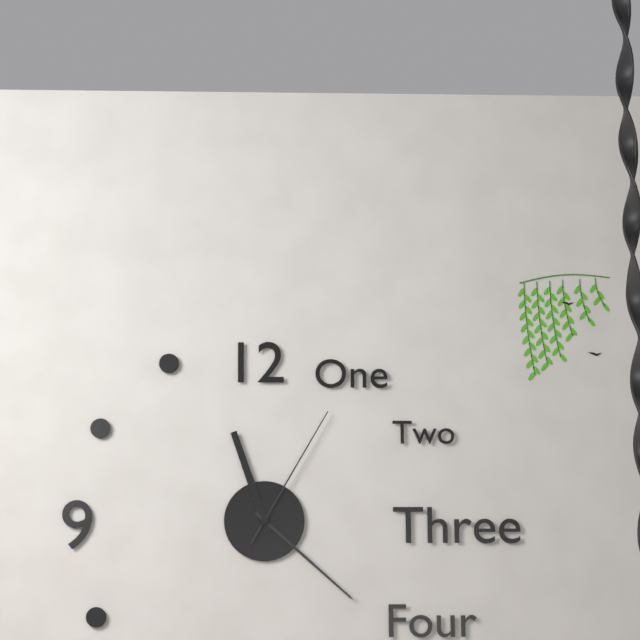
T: 11.22.05
